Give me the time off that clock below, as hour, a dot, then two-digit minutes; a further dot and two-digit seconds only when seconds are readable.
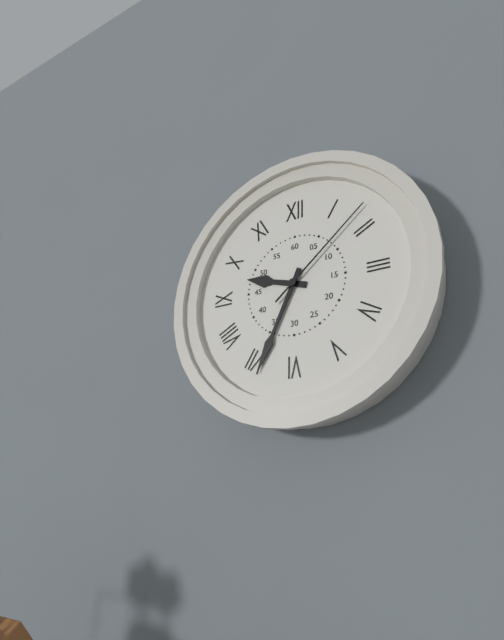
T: 9.34.08
